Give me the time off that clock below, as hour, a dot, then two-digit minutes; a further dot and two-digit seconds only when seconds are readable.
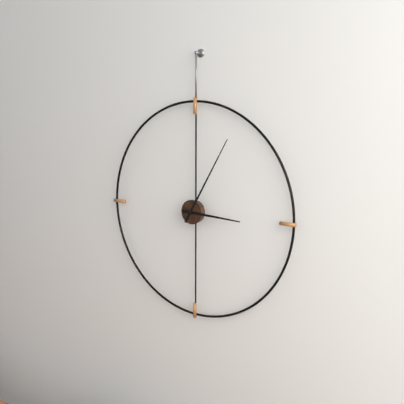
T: 3.05
